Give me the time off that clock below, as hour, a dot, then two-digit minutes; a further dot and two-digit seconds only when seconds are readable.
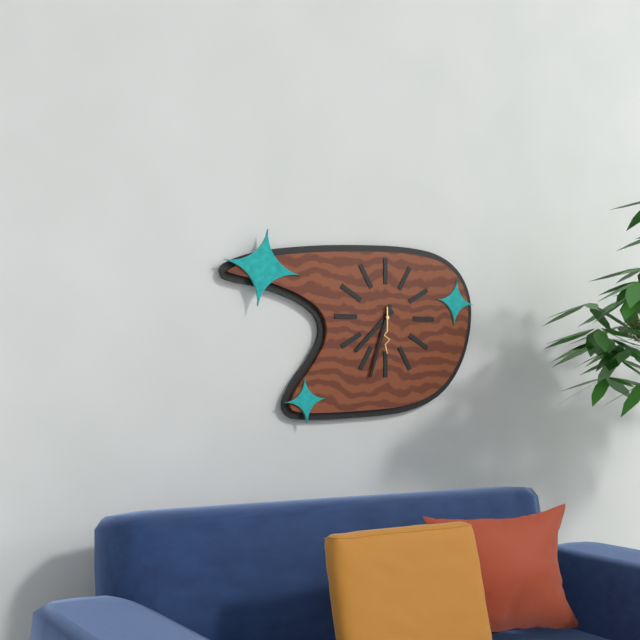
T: 7.33
